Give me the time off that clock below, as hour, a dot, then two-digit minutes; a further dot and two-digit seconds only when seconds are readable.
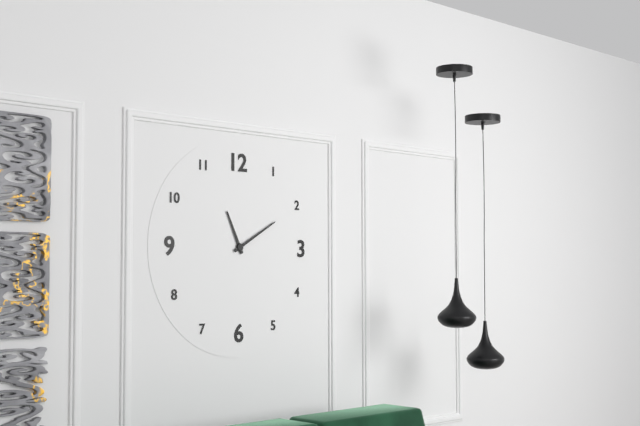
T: 11.10
